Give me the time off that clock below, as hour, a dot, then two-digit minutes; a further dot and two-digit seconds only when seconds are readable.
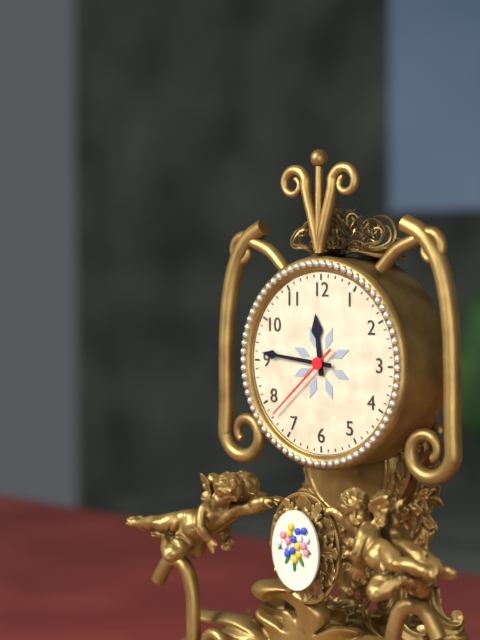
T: 11.46.38
